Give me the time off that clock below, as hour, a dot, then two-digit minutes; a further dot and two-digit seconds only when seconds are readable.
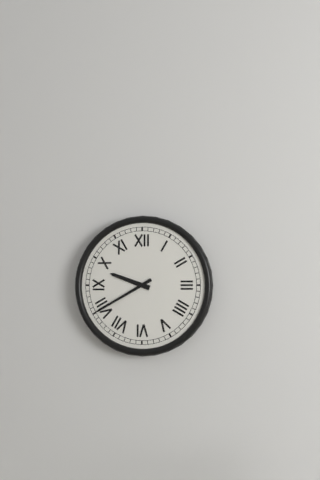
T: 9.40
